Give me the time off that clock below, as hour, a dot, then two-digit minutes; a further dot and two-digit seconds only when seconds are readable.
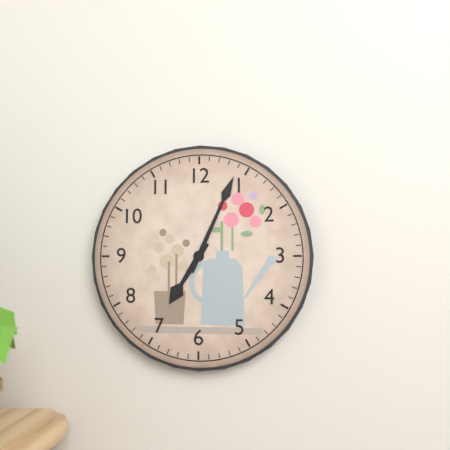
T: 7.04
